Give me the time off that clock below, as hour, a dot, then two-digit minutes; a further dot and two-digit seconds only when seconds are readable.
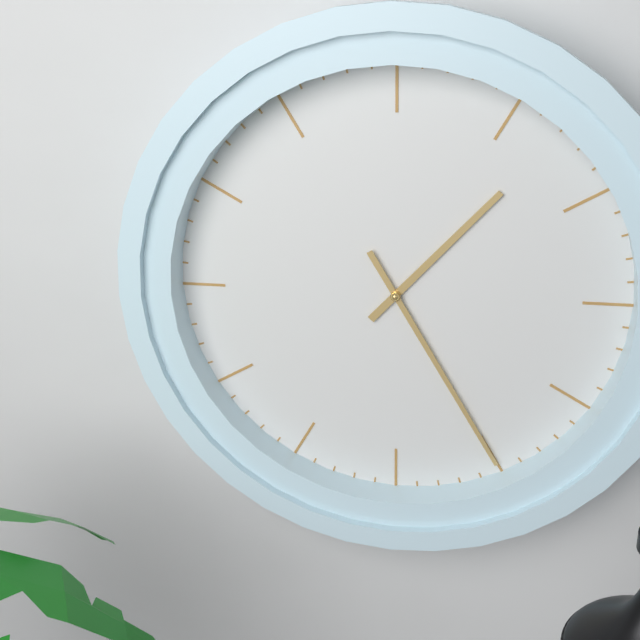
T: 1.25
